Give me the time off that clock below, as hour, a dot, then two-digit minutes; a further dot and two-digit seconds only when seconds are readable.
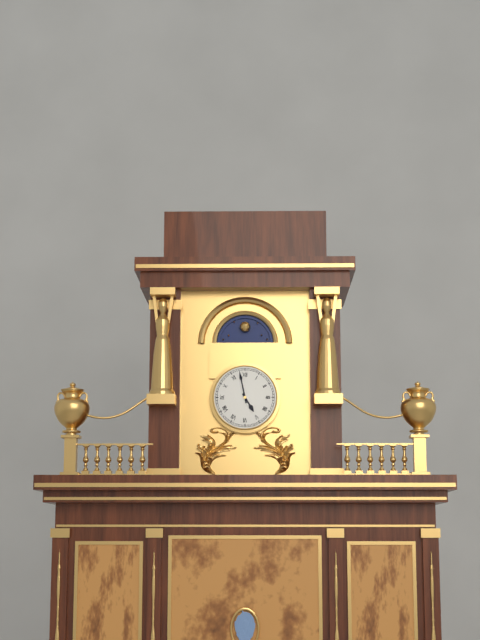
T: 4.58
